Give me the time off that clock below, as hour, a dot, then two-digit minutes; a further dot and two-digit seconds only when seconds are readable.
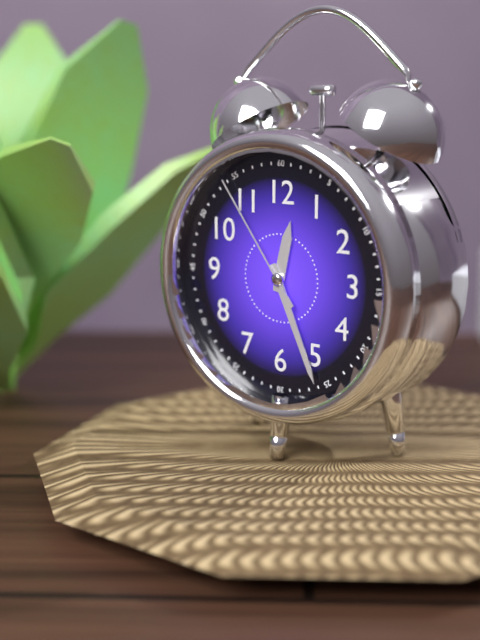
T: 12.26.54
